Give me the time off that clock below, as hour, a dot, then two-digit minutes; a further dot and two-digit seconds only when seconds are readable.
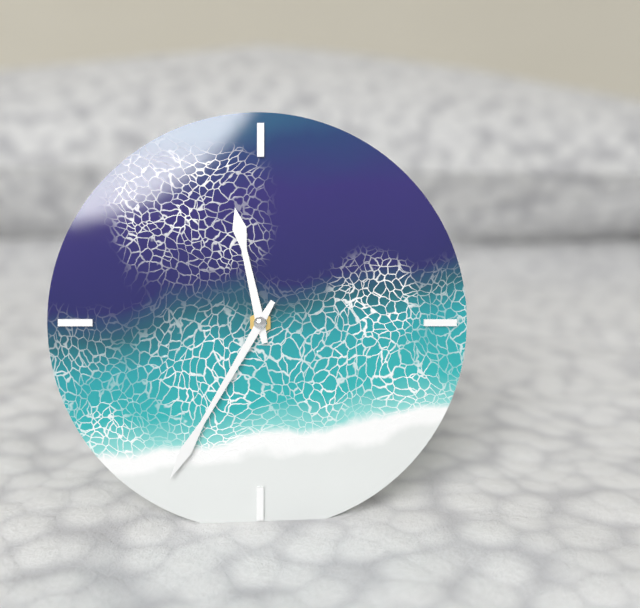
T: 11.35
